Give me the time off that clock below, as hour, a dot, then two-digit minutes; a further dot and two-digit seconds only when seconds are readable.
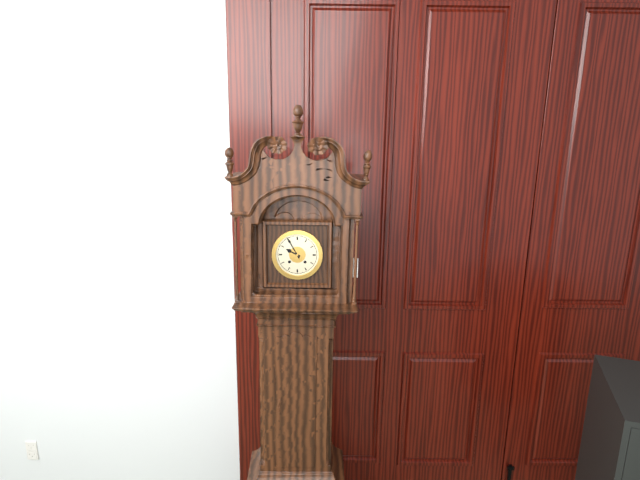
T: 9.55
